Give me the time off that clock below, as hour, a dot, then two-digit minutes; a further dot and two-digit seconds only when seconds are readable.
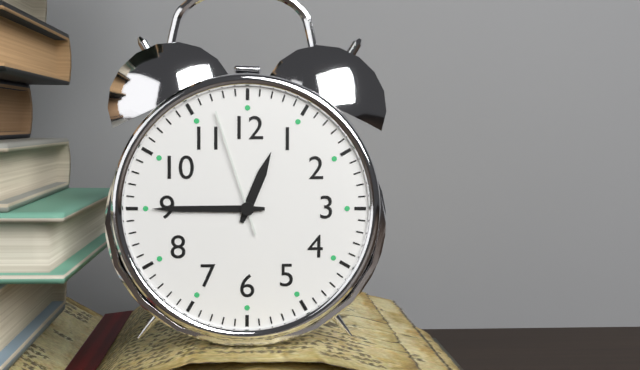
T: 12.45.57
